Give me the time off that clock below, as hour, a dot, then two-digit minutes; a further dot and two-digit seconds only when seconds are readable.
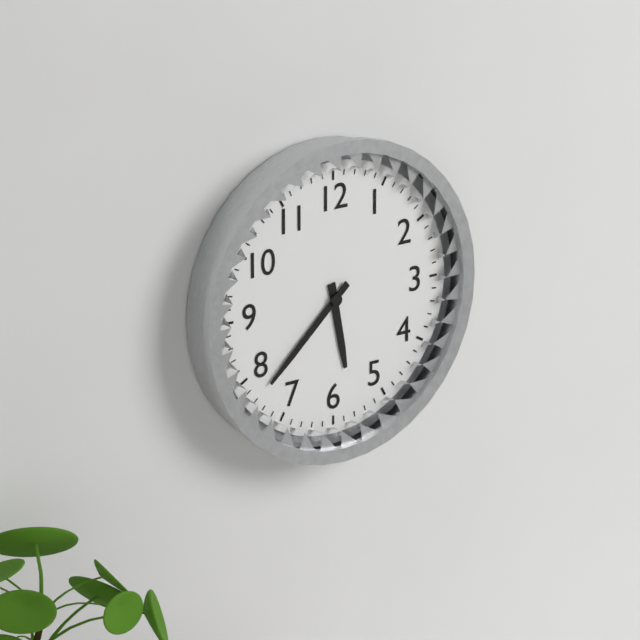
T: 5.38
